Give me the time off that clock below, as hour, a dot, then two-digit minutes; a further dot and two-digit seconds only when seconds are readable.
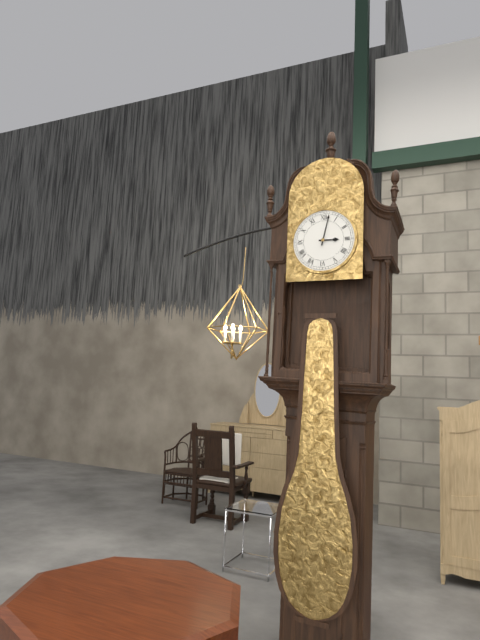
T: 3.02
